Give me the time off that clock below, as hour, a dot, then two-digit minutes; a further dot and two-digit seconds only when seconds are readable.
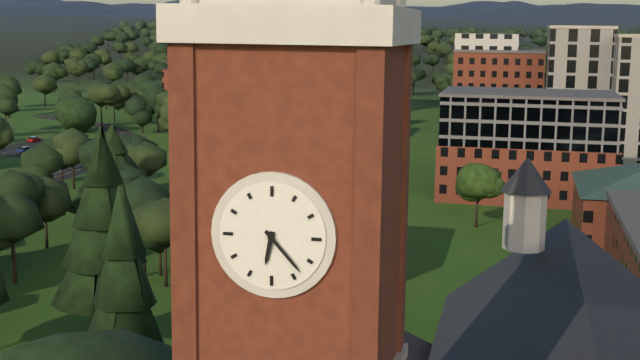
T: 6.23
